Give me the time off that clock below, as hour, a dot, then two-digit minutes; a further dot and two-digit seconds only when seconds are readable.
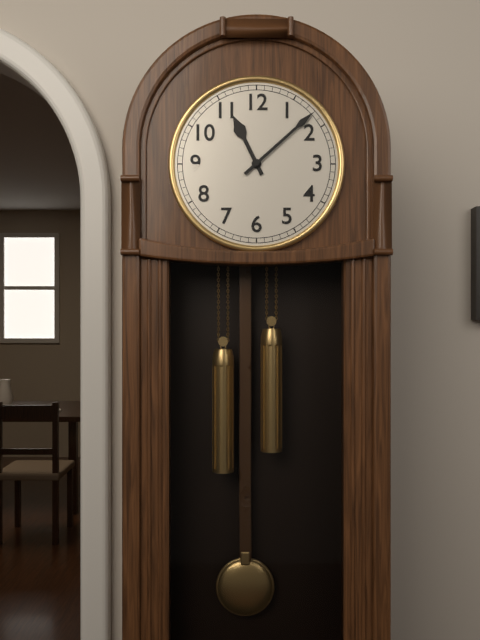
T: 11.08
